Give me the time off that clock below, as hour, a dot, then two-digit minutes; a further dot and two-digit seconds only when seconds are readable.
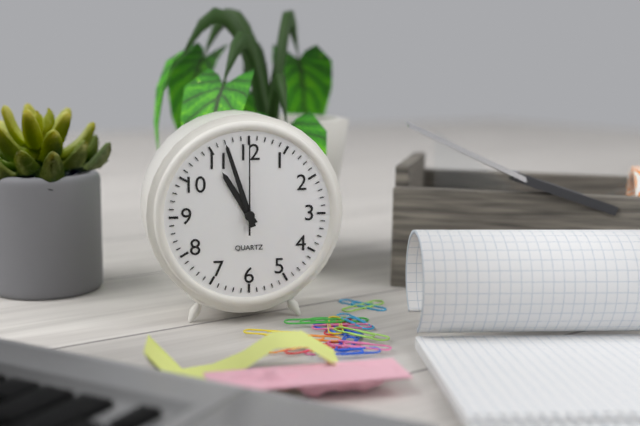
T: 10.57.00
